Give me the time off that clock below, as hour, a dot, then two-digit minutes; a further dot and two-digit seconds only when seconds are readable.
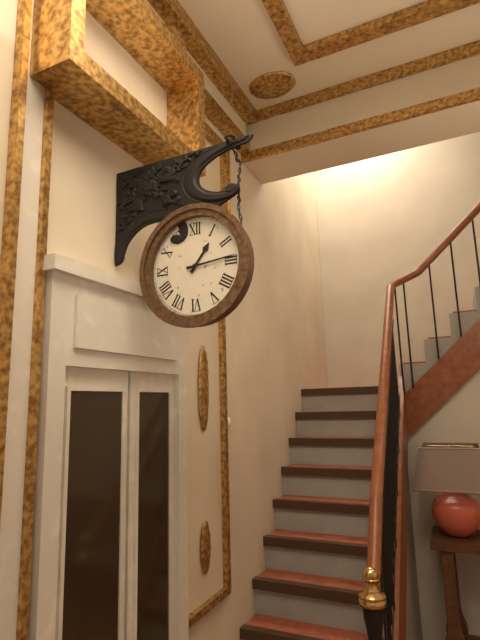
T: 1.14
